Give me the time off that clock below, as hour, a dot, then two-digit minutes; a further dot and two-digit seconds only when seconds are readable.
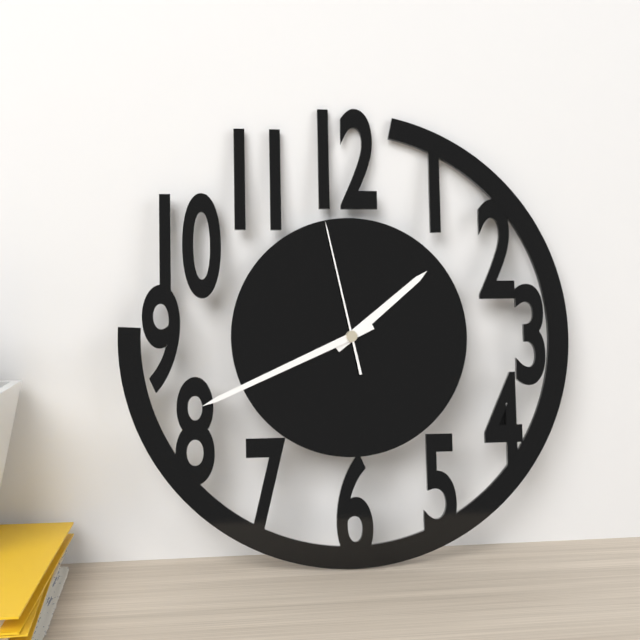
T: 1.41.58
